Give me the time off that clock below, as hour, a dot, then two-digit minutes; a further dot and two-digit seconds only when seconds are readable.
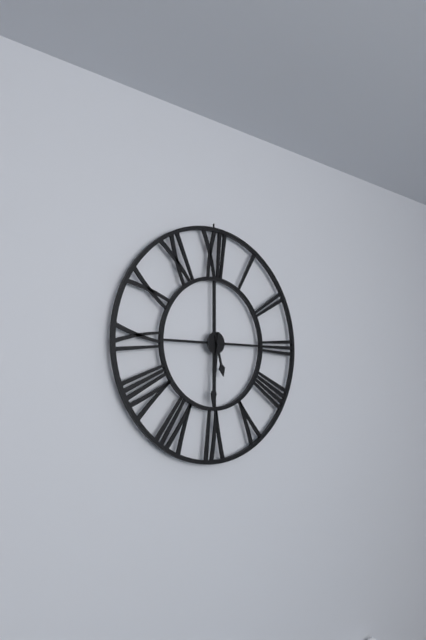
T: 5.31
